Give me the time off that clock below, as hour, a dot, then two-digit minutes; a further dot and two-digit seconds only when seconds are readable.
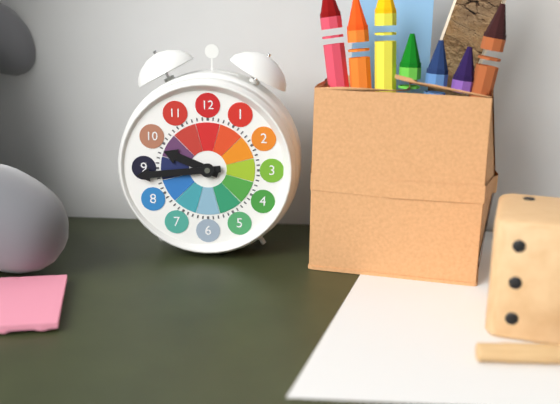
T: 9.44
